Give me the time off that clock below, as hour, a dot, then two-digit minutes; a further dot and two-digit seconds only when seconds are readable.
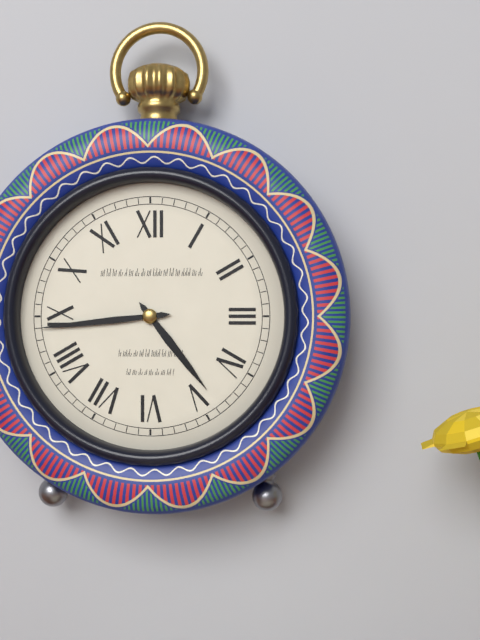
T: 4.44
